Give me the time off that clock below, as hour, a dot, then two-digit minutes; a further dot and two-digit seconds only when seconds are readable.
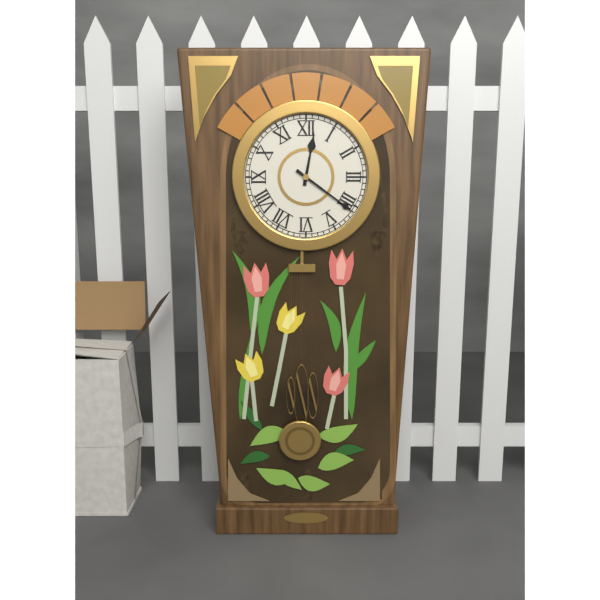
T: 12.21
